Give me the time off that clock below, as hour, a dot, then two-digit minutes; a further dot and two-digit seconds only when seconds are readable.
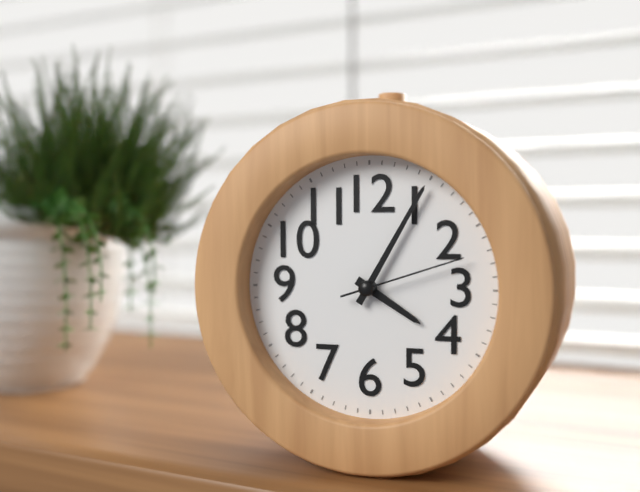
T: 4.05.12
